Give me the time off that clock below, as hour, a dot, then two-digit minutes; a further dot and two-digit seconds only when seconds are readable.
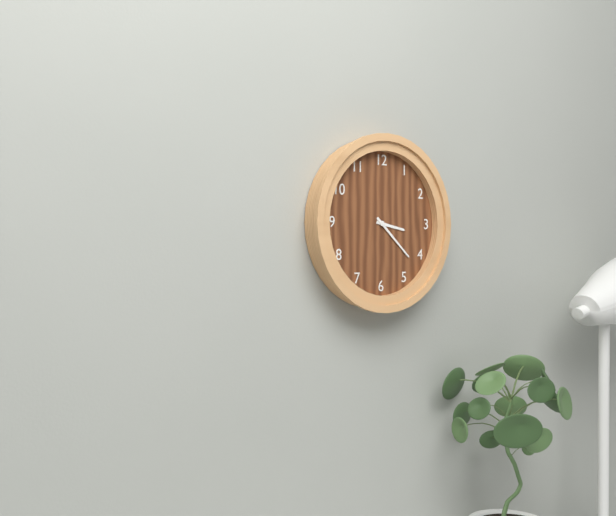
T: 3.22
